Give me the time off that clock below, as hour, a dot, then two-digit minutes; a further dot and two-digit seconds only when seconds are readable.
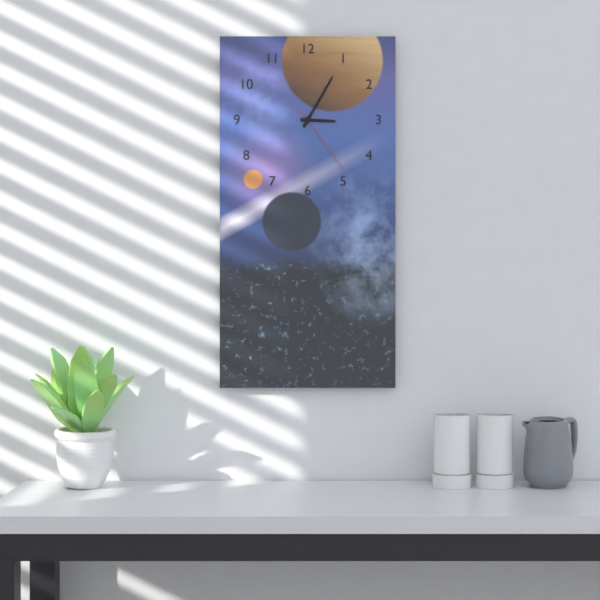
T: 3.05.24
